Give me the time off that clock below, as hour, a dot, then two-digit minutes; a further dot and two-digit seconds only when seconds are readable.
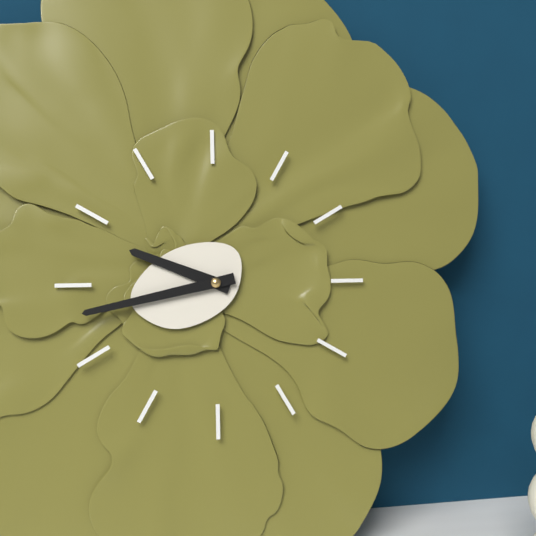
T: 9.43
